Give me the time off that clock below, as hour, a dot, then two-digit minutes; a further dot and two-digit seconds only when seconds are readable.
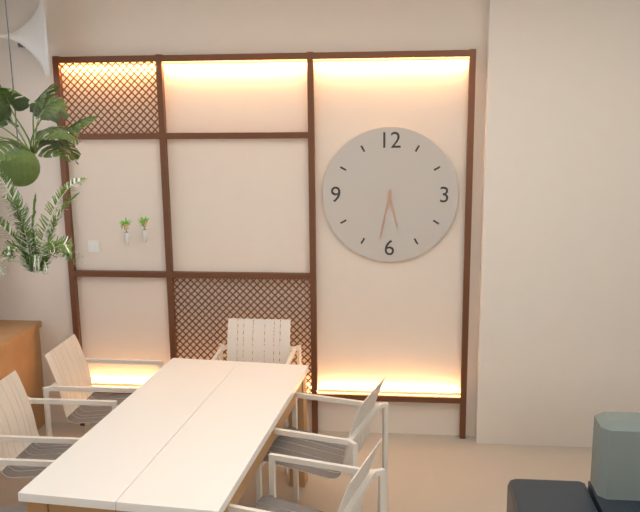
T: 5.32
